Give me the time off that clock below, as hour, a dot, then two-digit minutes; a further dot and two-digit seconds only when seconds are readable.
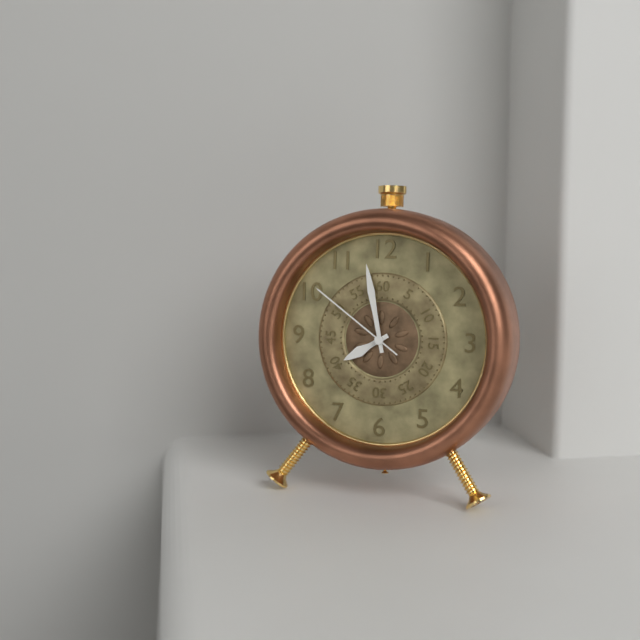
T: 7.58.51
